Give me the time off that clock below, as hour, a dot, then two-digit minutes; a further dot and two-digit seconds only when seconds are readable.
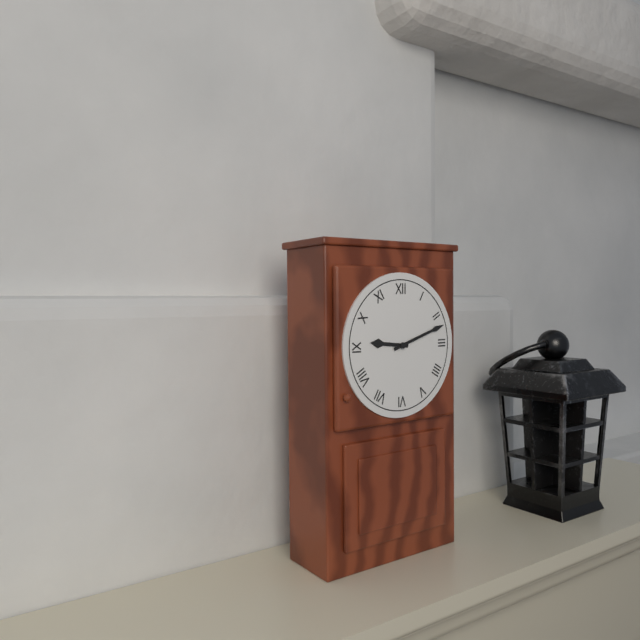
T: 9.12
